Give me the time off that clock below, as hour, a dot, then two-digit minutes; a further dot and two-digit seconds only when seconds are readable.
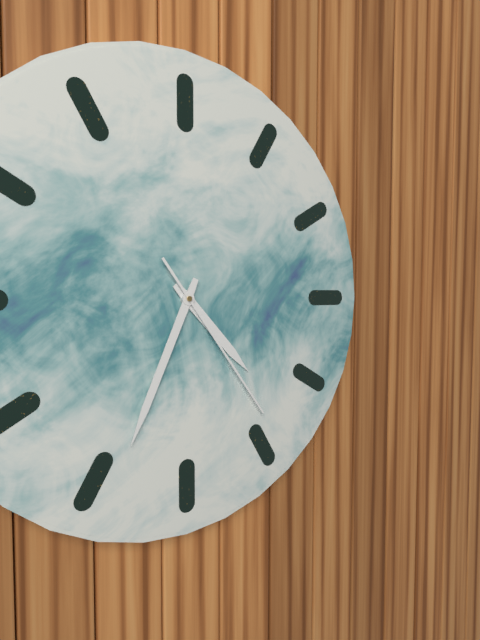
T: 4.34.24
